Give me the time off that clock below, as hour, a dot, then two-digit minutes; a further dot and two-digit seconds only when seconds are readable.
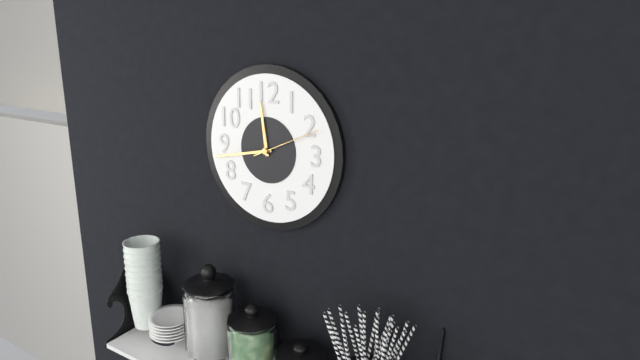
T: 11.43.11
